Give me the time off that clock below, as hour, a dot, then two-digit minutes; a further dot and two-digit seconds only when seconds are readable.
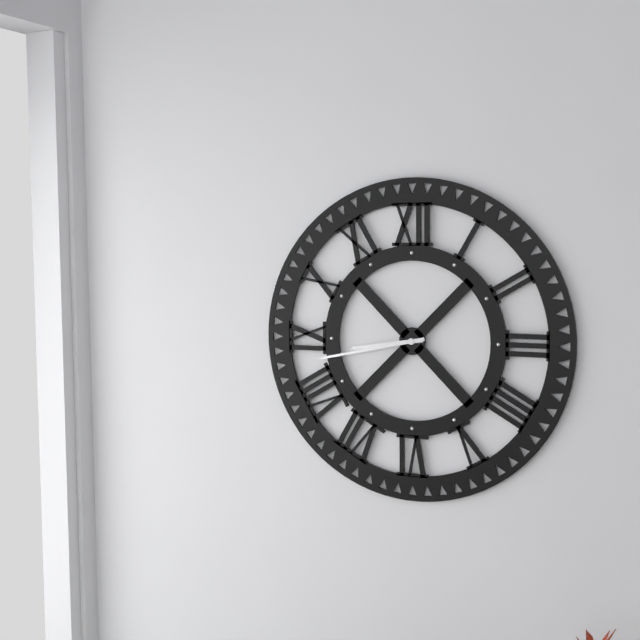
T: 8.43
